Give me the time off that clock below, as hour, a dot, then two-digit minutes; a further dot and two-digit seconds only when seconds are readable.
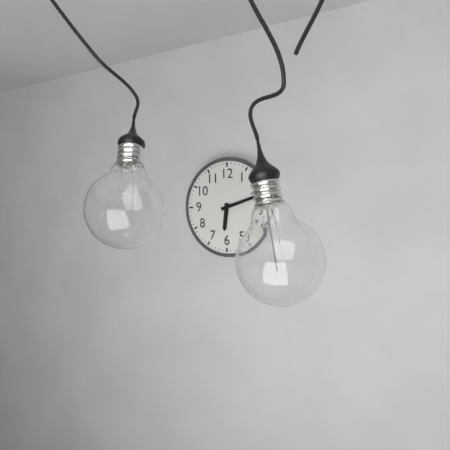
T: 6.12
